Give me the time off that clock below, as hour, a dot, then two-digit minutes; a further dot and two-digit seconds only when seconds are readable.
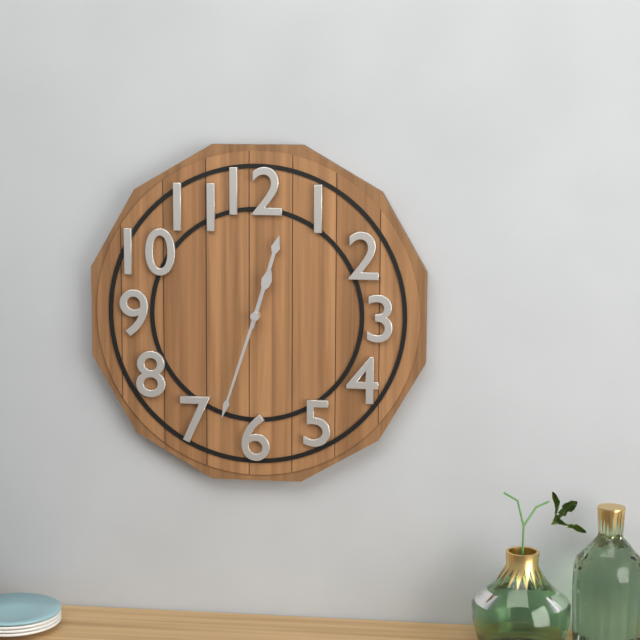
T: 12.33
